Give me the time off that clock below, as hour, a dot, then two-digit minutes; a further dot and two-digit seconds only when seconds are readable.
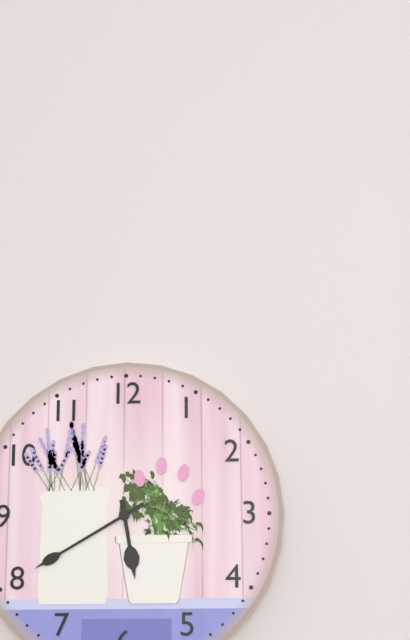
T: 5.40
